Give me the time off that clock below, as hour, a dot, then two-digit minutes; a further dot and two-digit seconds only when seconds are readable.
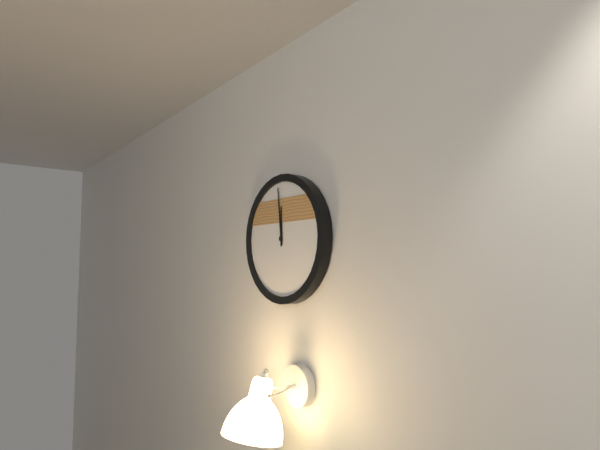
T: 11.59
